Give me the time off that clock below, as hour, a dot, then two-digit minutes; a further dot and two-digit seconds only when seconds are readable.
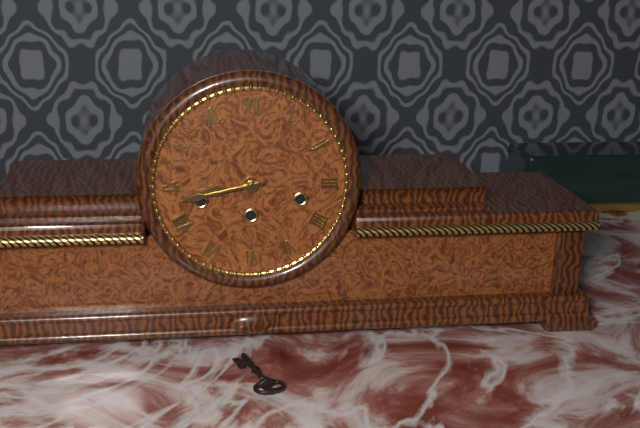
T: 8.43
